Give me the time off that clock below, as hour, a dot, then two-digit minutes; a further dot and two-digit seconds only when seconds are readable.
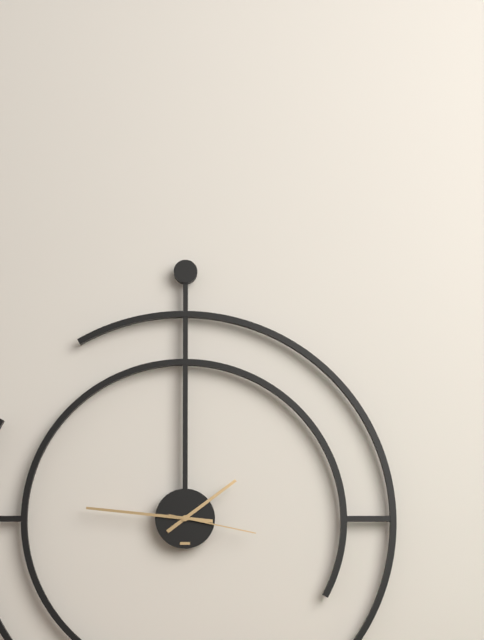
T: 1.46.17
